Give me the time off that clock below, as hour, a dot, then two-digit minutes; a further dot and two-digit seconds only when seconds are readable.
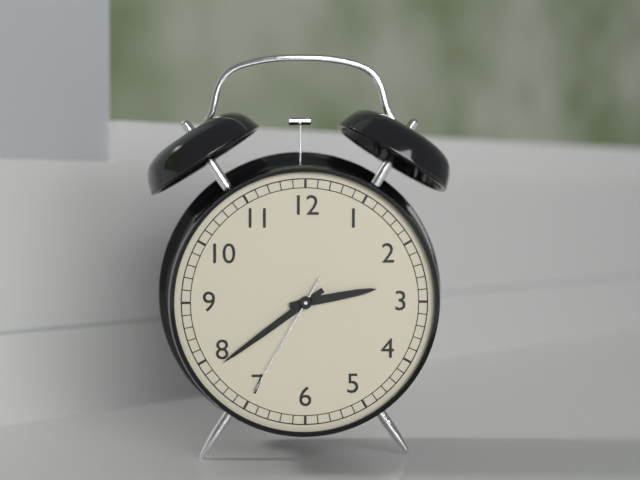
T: 2.39.35
